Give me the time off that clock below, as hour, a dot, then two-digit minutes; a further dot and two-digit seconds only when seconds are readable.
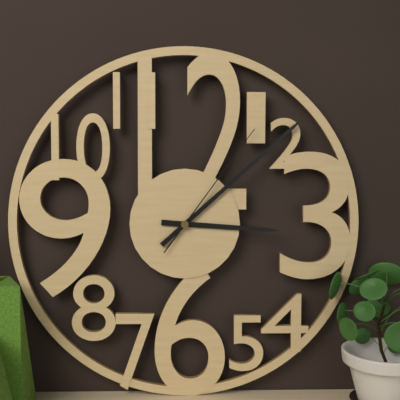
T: 3.08.06
